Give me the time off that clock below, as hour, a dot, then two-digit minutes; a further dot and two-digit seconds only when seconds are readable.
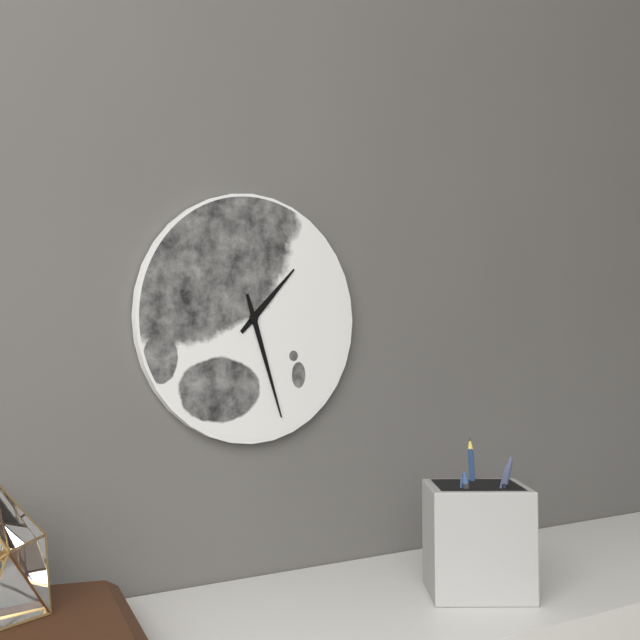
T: 1.27
